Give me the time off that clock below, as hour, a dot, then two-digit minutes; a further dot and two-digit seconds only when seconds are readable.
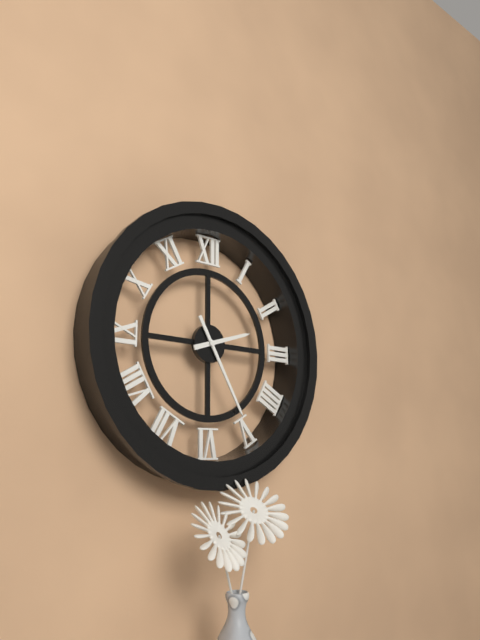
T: 2.25
